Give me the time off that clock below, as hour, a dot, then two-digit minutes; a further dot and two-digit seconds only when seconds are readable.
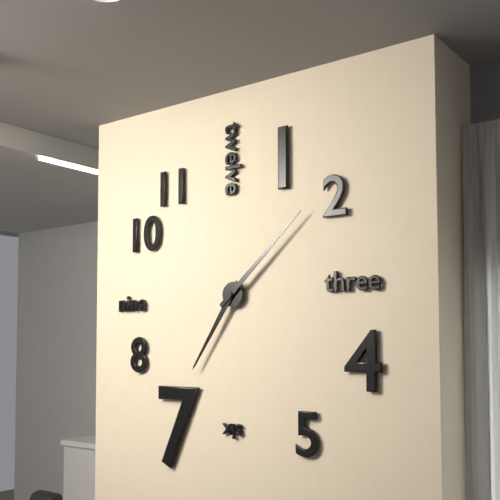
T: 7.08
